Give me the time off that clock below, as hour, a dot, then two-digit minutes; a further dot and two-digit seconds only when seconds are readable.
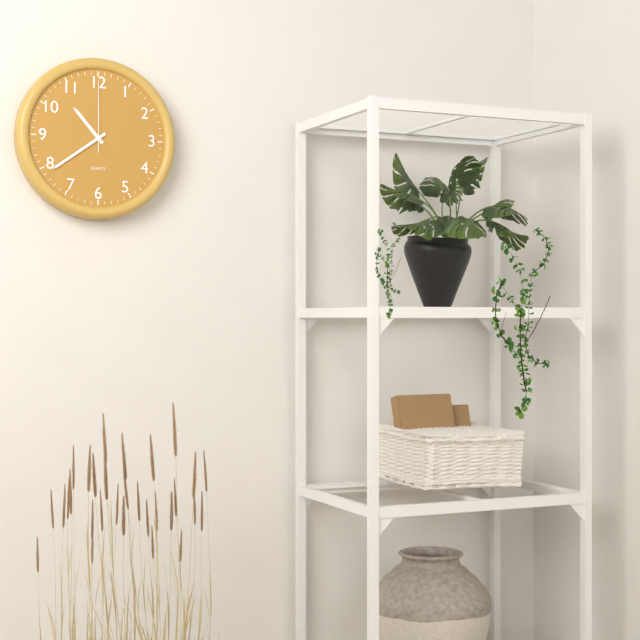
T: 10.39.00
